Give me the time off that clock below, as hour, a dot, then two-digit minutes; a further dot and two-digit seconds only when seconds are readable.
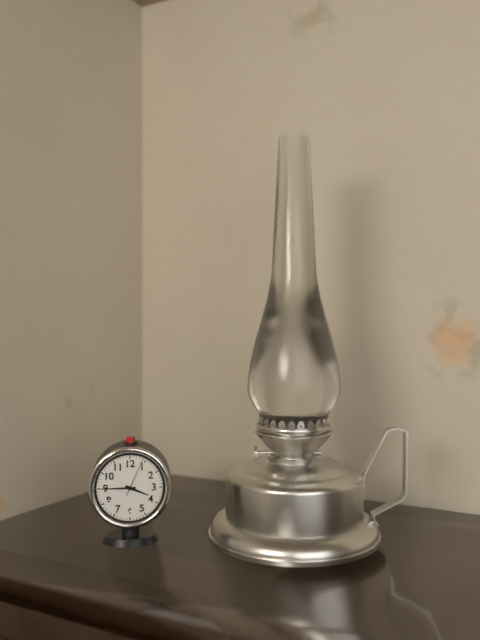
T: 3.45
